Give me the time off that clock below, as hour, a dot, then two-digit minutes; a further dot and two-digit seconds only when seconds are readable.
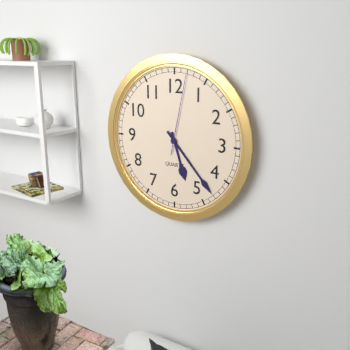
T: 5.23.02
